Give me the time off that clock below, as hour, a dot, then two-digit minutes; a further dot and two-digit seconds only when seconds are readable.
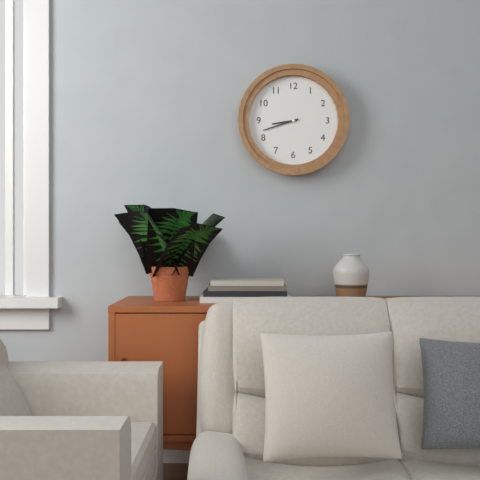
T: 8.42
